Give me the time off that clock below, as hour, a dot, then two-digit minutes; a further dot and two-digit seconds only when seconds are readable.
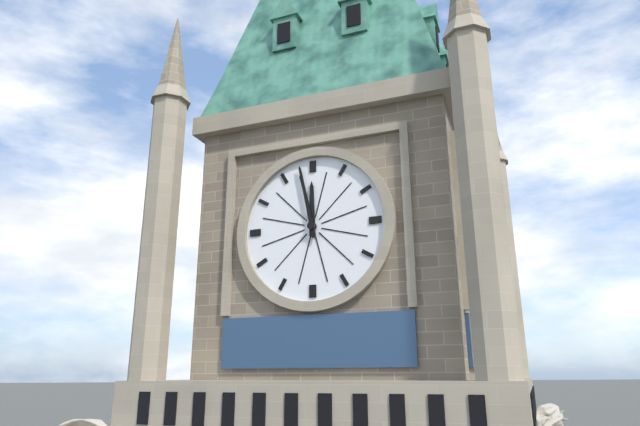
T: 11.58
